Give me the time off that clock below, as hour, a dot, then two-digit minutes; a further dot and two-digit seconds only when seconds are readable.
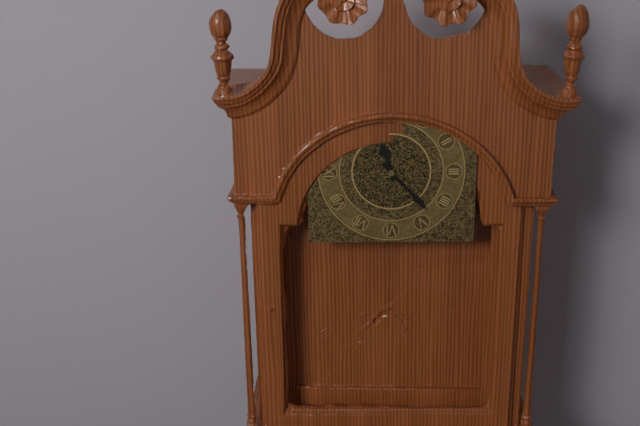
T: 11.23
